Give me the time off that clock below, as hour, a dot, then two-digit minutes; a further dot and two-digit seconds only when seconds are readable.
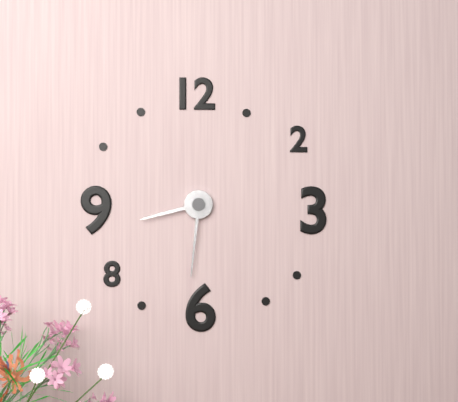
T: 8.31
